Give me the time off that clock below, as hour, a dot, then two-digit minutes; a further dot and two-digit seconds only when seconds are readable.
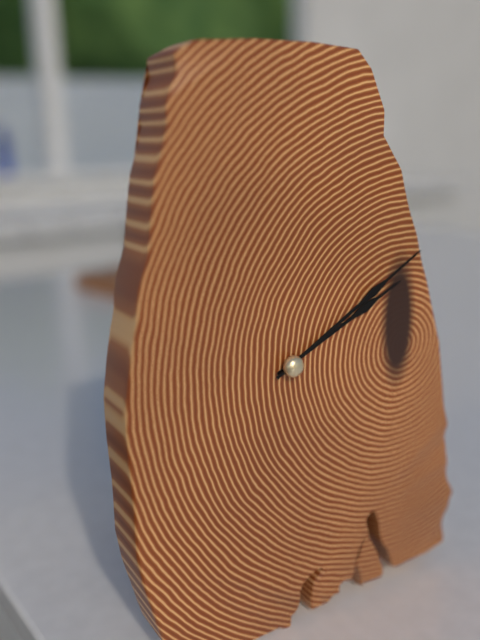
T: 2.10
